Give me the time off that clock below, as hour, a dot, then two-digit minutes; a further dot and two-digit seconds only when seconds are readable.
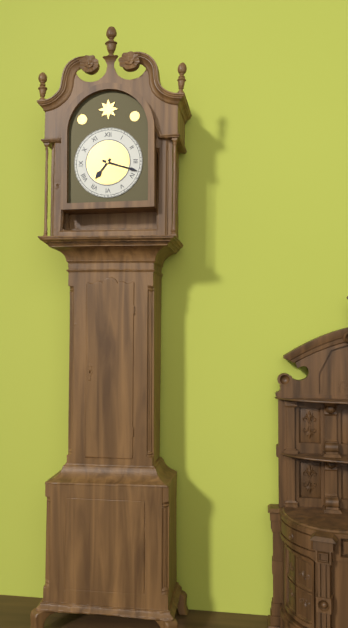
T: 7.18
